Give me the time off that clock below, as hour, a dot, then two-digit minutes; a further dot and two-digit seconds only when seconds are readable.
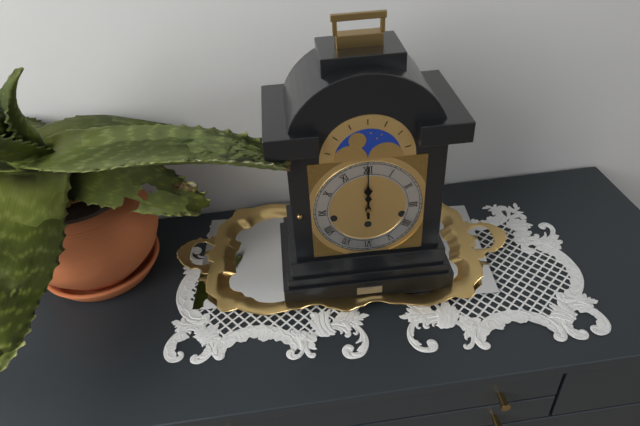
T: 12.00
